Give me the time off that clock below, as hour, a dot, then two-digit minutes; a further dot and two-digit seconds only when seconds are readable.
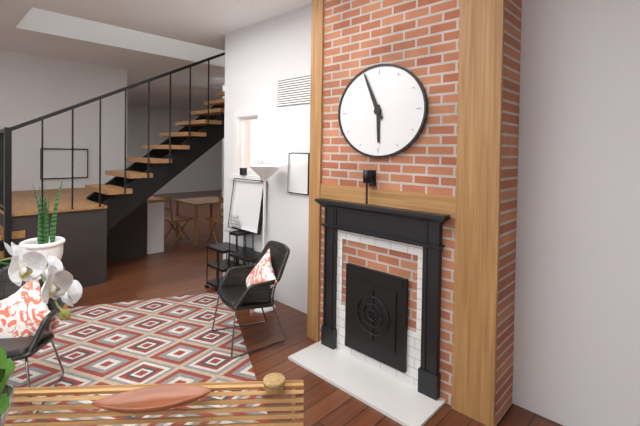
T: 5.56
